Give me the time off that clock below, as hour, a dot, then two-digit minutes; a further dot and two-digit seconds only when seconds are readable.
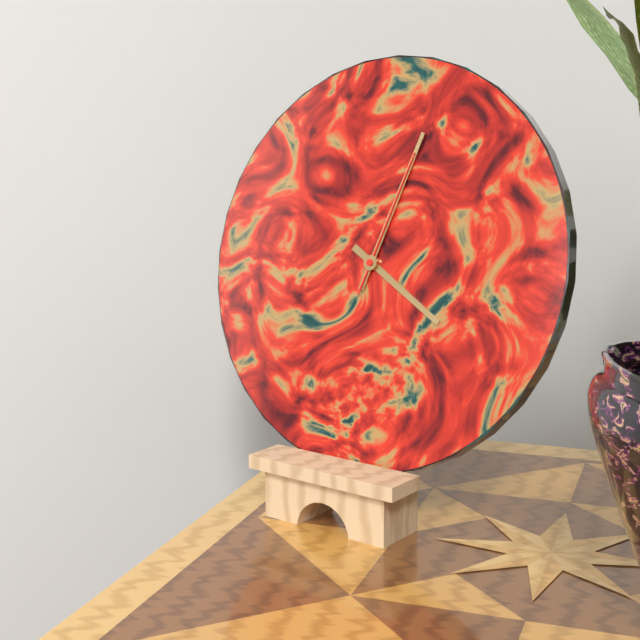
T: 4.03.03
